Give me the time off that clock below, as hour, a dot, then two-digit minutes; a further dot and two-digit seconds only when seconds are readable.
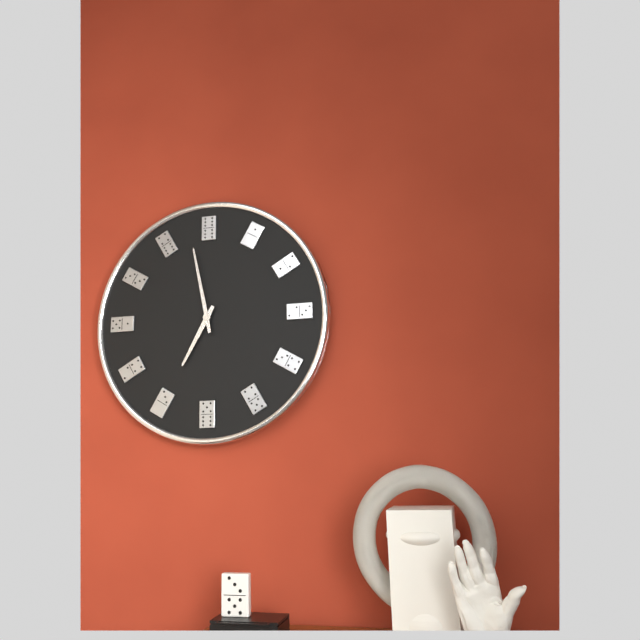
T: 6.58
